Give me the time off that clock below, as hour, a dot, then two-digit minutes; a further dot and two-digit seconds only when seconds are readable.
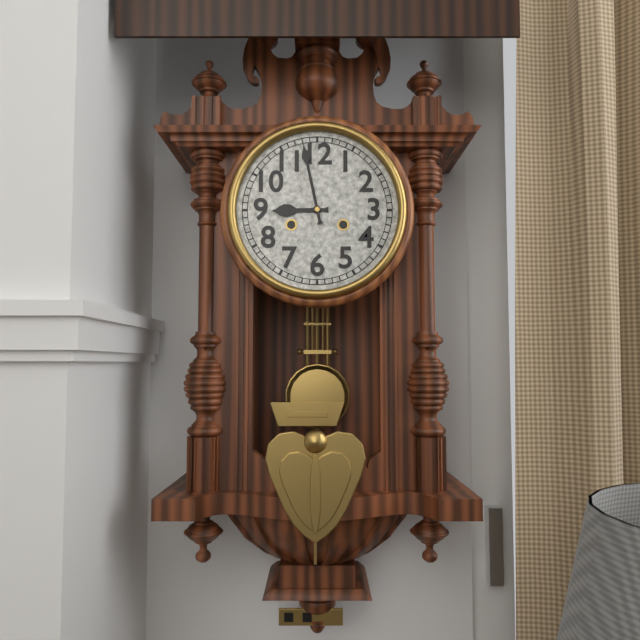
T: 8.58
